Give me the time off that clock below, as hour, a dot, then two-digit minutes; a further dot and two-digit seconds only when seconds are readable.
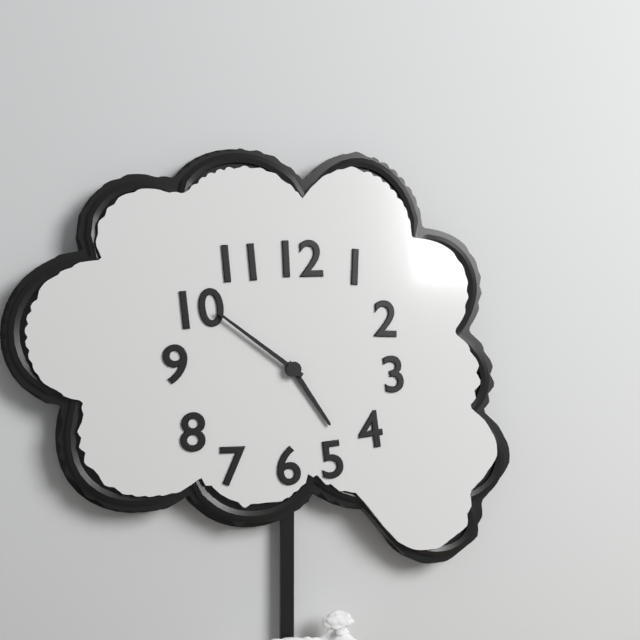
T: 4.51
